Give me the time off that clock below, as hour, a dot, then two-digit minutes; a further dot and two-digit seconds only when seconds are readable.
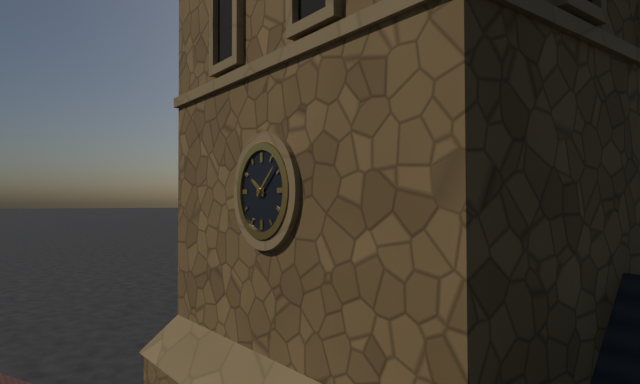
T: 10.08
